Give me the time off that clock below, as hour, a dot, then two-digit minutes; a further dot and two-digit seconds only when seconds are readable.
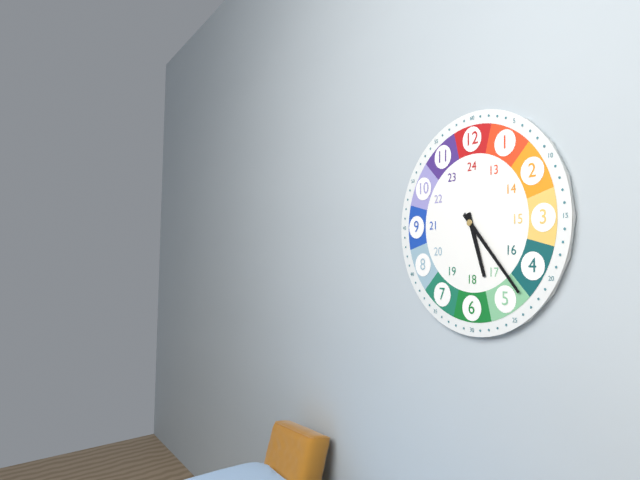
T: 5.23
